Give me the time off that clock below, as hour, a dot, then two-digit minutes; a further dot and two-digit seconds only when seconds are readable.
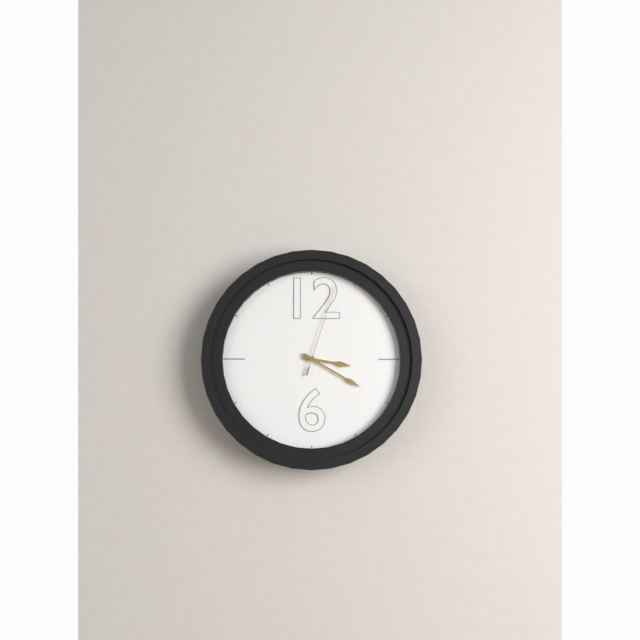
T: 3.20.03
